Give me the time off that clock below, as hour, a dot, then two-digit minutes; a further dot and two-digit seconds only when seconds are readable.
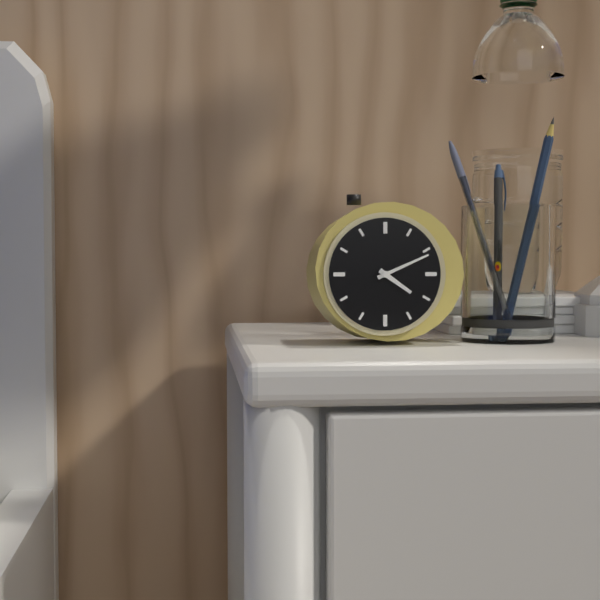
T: 4.11
